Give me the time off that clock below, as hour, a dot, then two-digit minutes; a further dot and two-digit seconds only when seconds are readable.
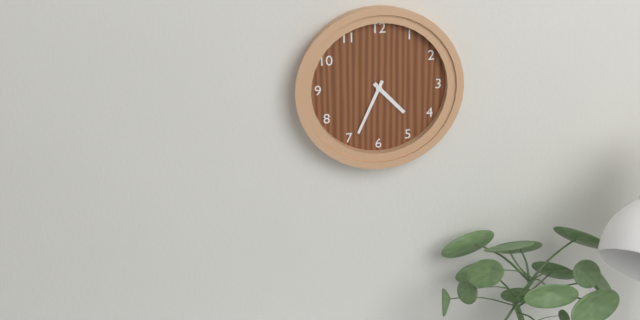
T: 4.34
